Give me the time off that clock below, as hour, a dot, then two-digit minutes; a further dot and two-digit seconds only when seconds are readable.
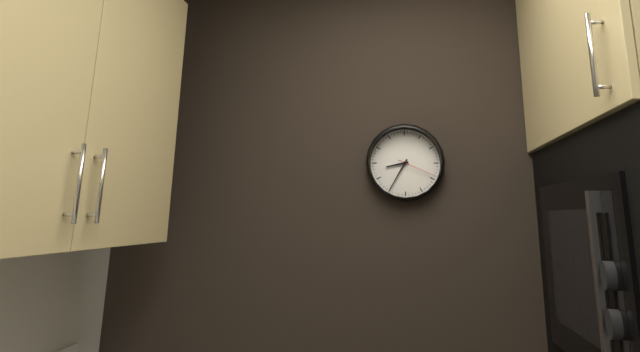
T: 8.35
